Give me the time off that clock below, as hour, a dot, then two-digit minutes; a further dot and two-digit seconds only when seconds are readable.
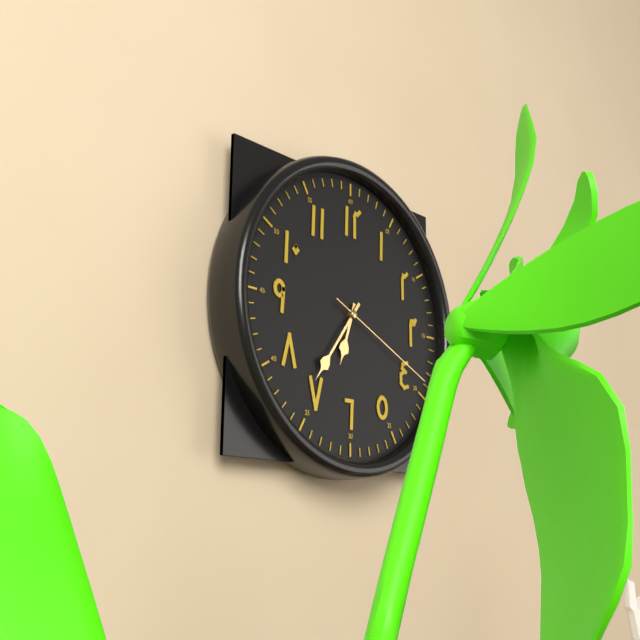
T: 6.36.19
